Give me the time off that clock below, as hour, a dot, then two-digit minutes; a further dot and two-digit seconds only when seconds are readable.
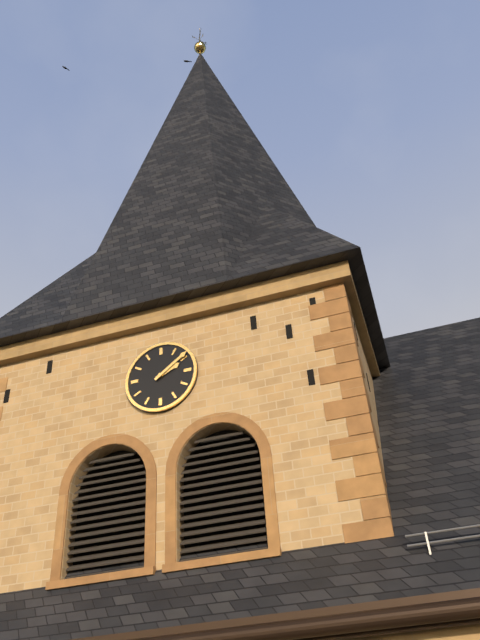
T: 2.09
